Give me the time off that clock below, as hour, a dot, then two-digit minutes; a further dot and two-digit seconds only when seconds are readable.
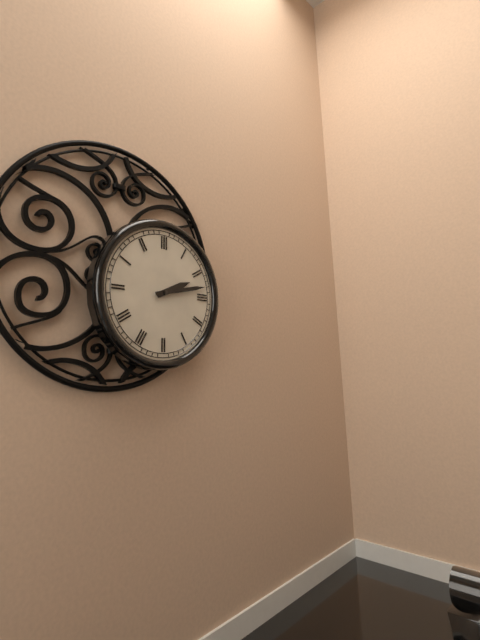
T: 2.13
